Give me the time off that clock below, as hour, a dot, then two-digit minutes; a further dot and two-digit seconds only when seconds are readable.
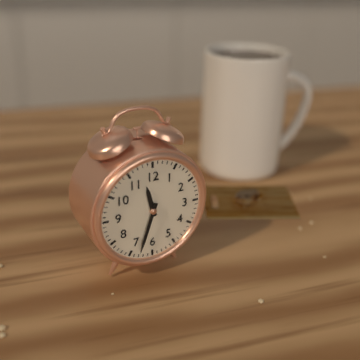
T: 11.33
